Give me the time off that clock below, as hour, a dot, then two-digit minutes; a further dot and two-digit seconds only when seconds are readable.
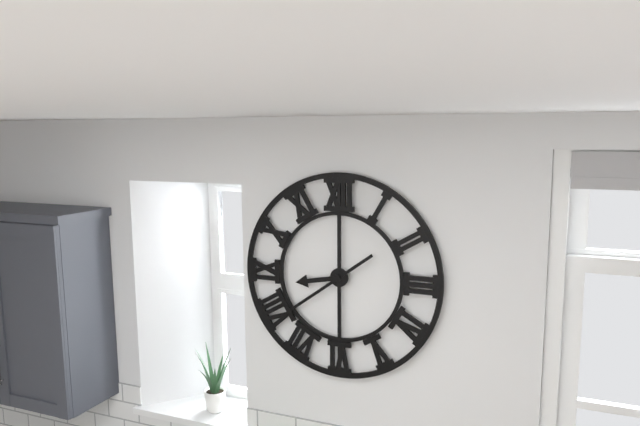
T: 8.39
